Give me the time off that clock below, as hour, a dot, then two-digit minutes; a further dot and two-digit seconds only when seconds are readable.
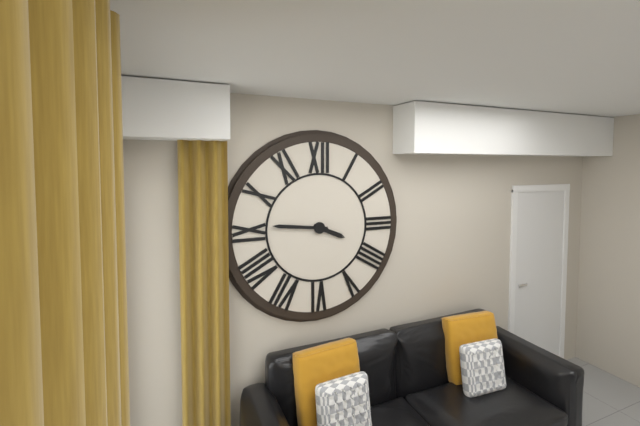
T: 3.46
